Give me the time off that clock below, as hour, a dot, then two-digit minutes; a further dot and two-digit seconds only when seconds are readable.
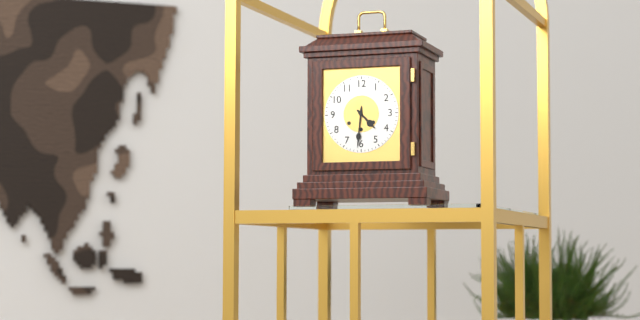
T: 4.31
